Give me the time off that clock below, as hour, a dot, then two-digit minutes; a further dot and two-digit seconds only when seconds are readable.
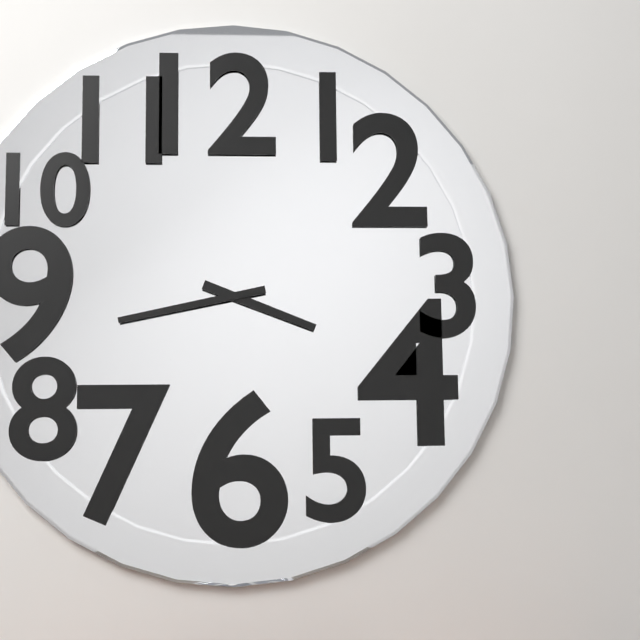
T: 3.43
